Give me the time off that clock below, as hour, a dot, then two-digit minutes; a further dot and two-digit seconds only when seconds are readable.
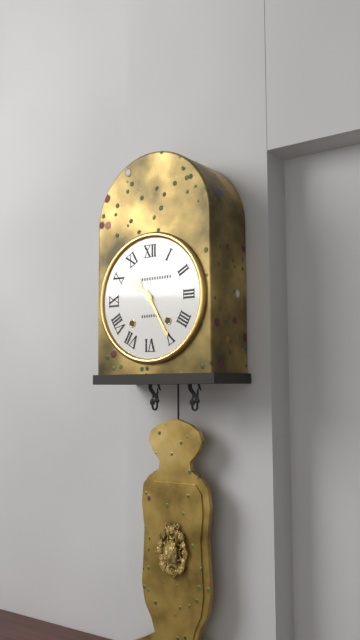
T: 10.25
